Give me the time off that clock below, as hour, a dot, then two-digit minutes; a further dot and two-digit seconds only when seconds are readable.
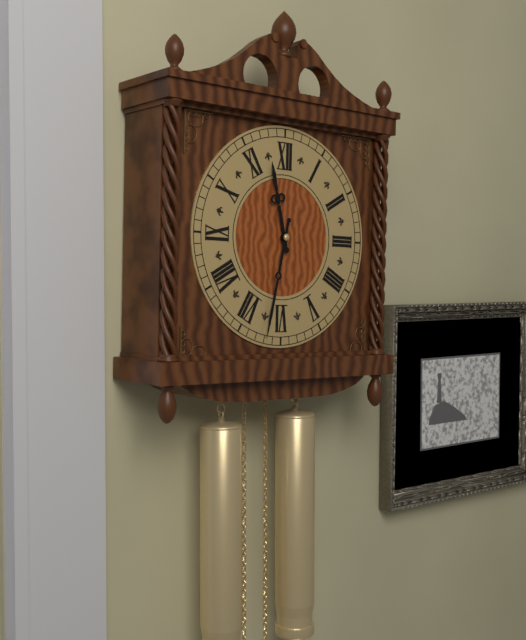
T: 11.32
